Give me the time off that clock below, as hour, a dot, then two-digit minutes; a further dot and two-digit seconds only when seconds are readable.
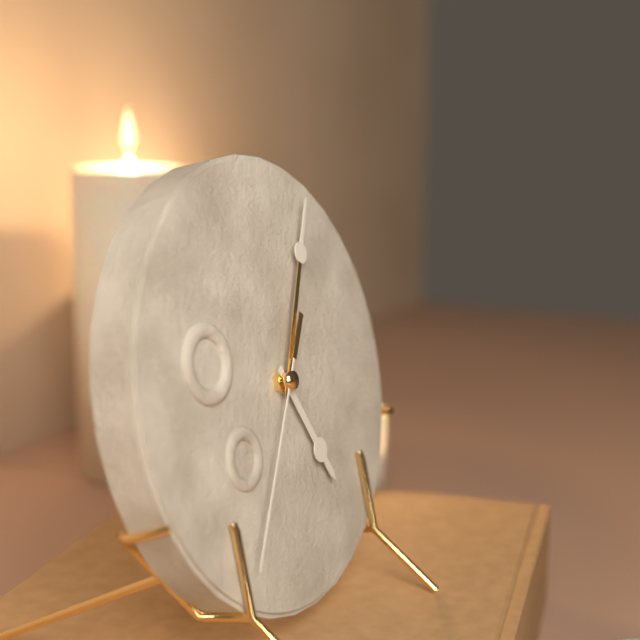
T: 5.05.36
